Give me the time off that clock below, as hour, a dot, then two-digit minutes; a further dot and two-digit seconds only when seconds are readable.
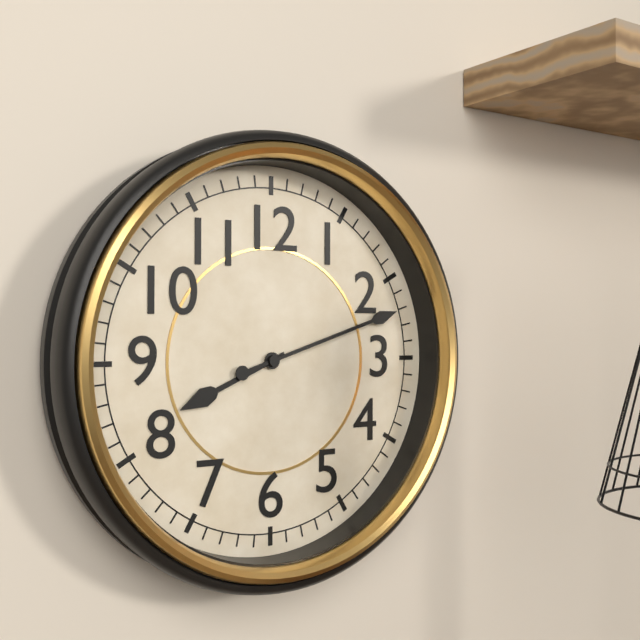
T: 8.12
